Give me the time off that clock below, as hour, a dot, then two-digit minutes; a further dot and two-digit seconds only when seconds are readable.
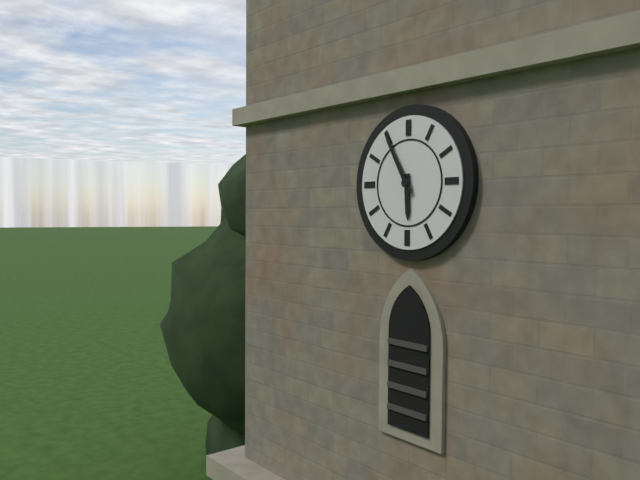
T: 5.55
